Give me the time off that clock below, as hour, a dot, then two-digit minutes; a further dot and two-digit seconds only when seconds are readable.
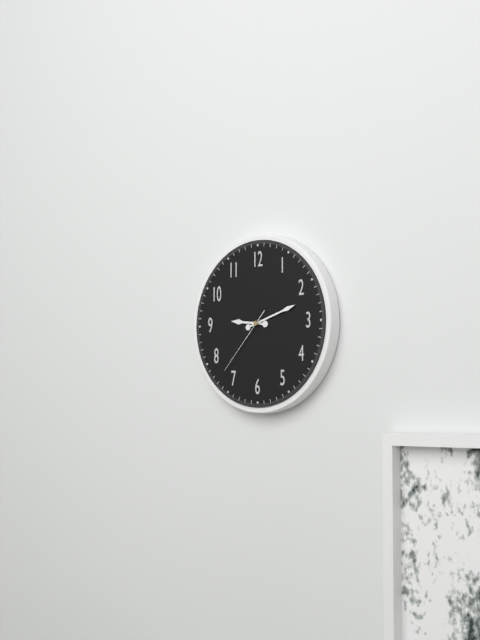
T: 9.12.37
